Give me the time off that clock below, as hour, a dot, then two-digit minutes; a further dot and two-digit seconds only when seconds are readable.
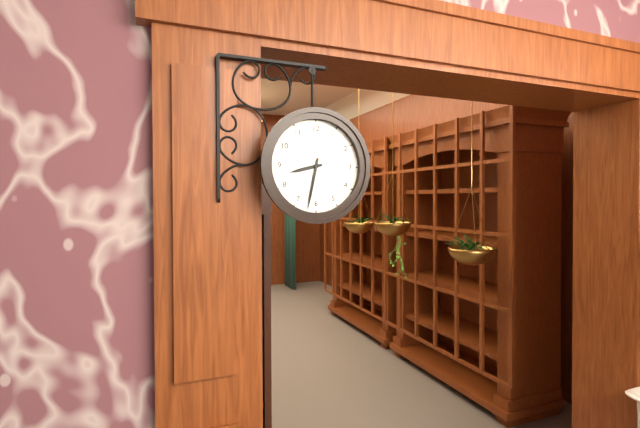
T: 8.32
